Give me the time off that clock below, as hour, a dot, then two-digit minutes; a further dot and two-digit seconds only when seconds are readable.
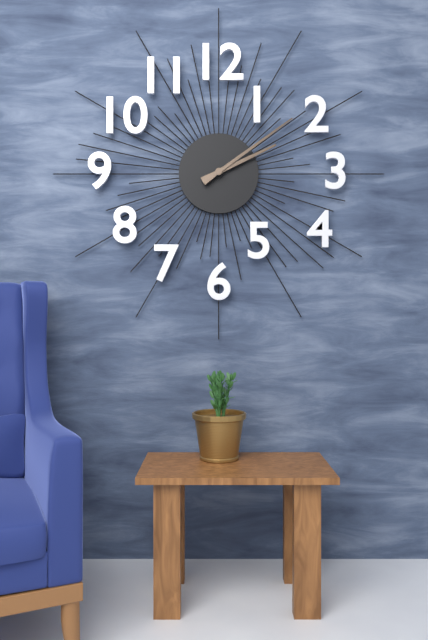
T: 2.09
